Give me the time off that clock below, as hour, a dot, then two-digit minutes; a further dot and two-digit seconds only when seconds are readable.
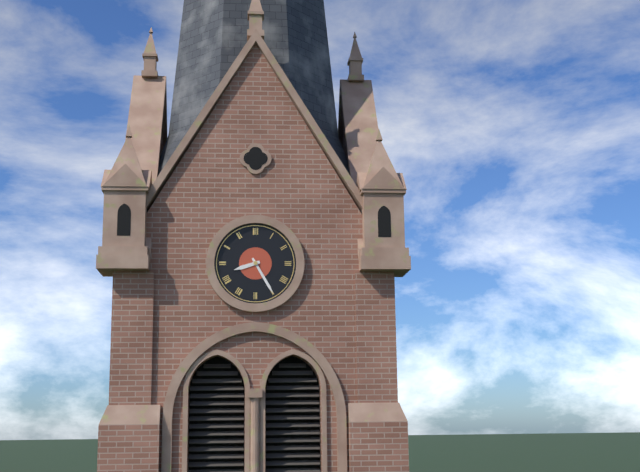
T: 8.25
